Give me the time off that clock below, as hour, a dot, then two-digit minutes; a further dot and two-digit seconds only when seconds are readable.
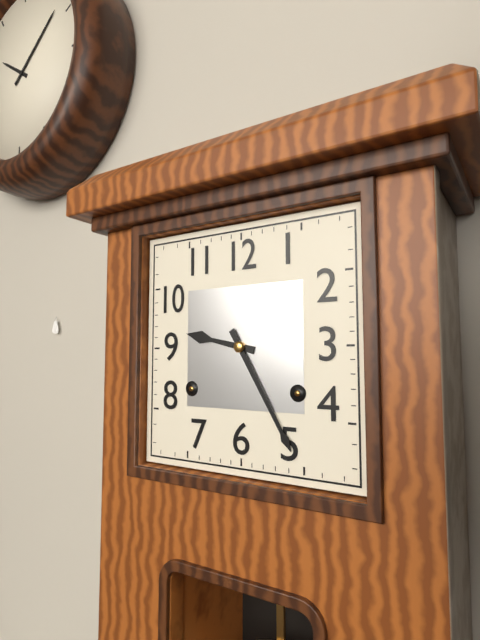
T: 9.25
